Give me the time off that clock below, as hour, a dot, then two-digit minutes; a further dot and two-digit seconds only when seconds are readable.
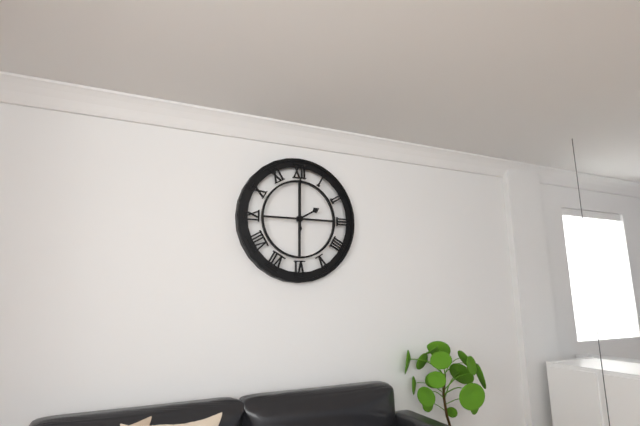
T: 2.00
